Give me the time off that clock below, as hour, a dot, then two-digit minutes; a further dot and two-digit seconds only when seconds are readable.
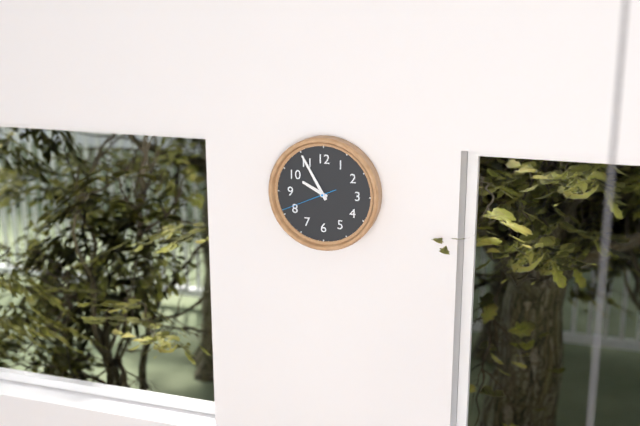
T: 9.55.41
